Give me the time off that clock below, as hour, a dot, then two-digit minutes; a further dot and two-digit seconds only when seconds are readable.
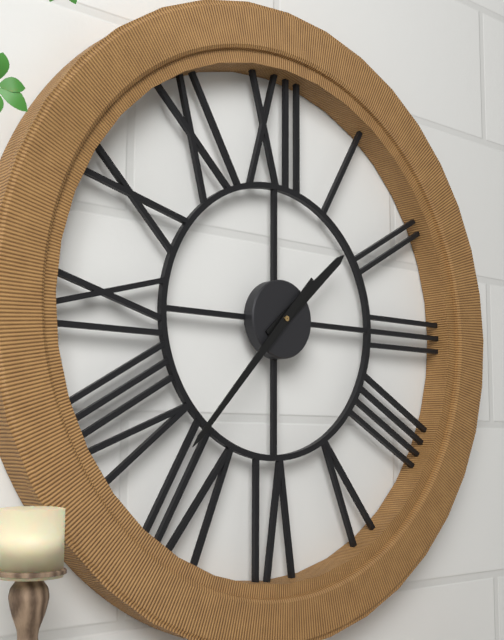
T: 1.37
